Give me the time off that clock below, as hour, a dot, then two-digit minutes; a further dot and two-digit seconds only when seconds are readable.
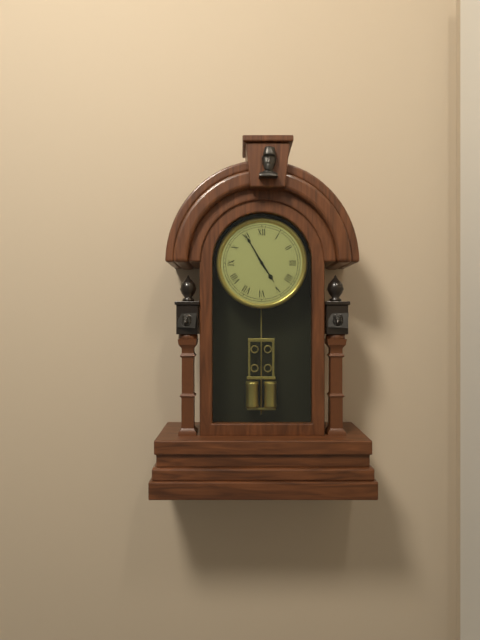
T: 4.55
